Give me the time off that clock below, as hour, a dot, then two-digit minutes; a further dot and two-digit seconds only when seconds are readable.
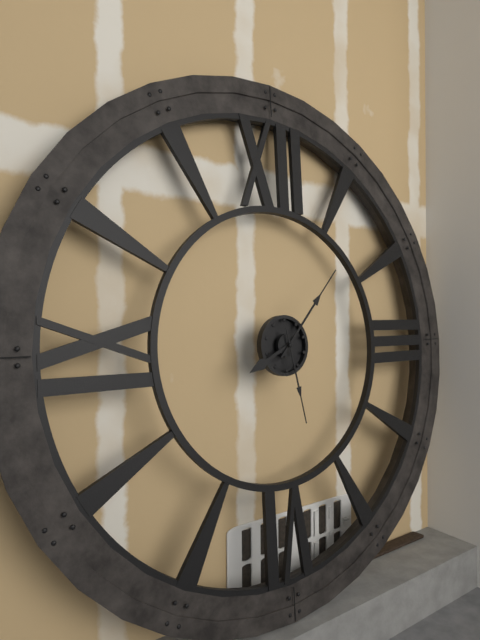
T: 8.07.28
